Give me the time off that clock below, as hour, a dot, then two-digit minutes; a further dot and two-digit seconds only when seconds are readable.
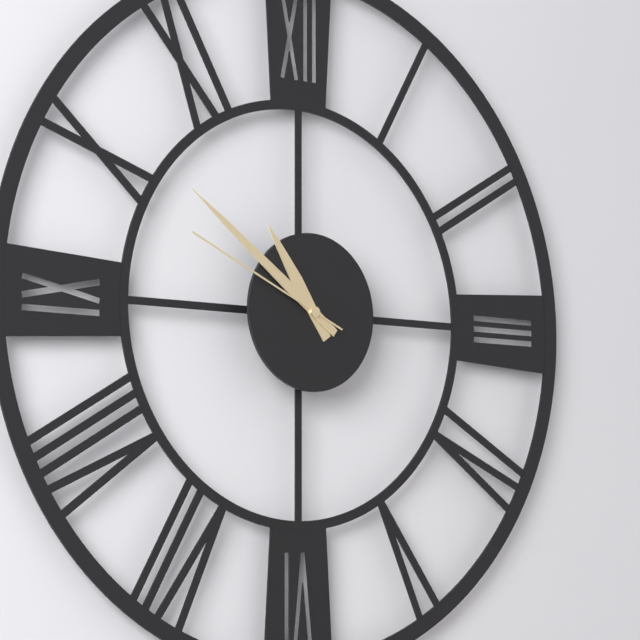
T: 10.51.49
